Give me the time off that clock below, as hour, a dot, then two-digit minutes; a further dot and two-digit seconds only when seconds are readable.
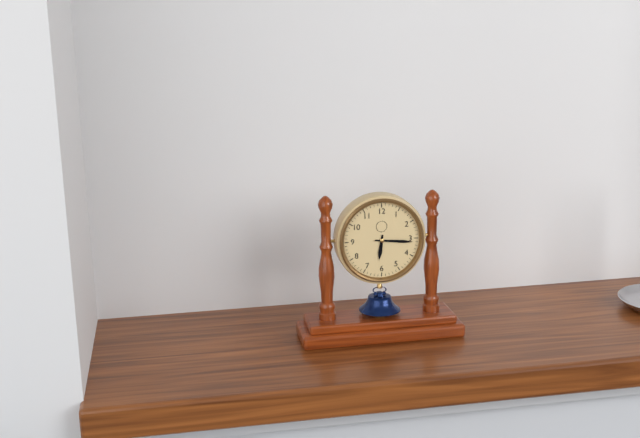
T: 6.16
